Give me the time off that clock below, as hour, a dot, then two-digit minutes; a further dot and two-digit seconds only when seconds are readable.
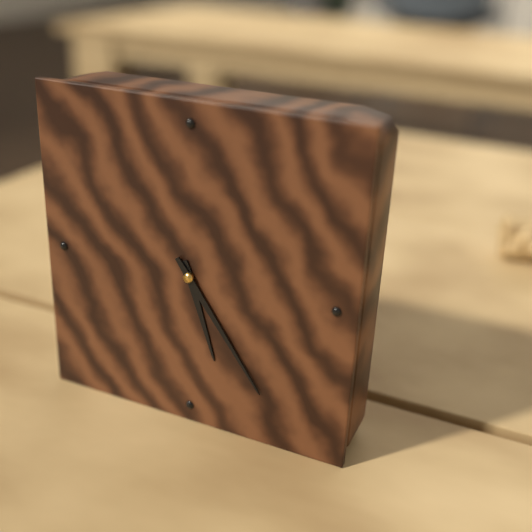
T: 5.24
